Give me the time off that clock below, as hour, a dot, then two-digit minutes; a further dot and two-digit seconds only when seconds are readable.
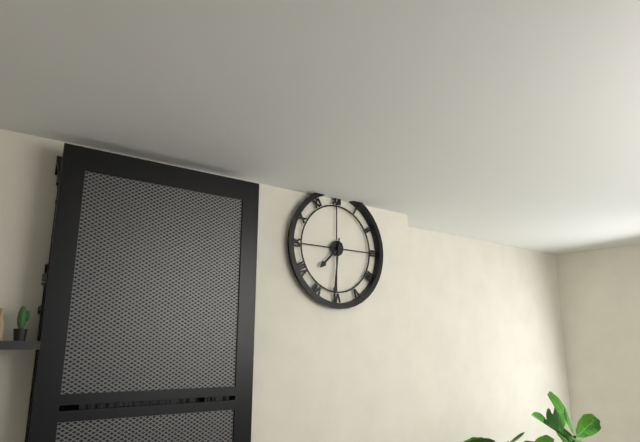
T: 7.31
